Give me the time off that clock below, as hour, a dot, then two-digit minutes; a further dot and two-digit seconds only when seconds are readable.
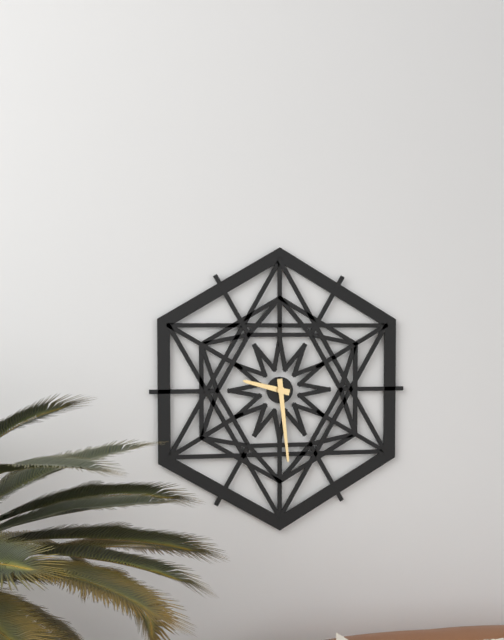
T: 9.29
